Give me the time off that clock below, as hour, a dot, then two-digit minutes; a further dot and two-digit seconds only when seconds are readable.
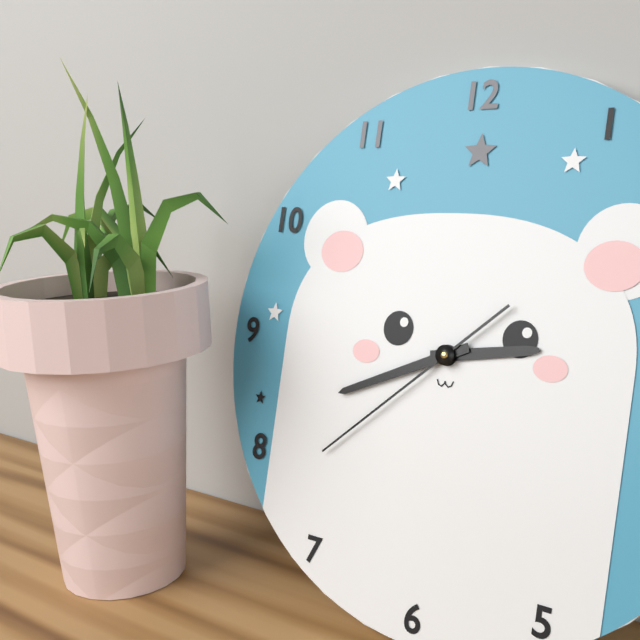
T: 2.41.38
